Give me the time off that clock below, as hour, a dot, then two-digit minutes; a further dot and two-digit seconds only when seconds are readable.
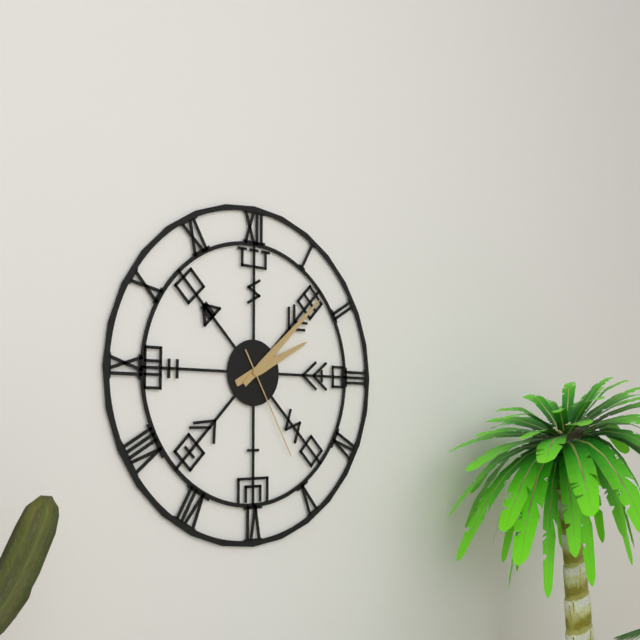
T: 2.08.25
